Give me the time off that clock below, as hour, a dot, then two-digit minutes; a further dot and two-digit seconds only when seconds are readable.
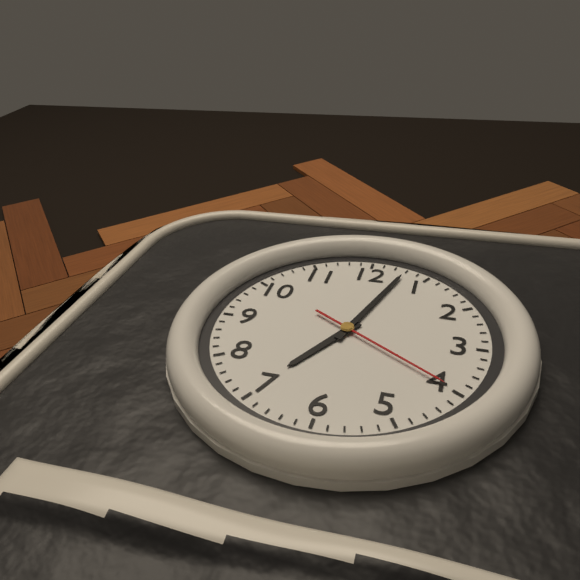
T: 7.03.20
